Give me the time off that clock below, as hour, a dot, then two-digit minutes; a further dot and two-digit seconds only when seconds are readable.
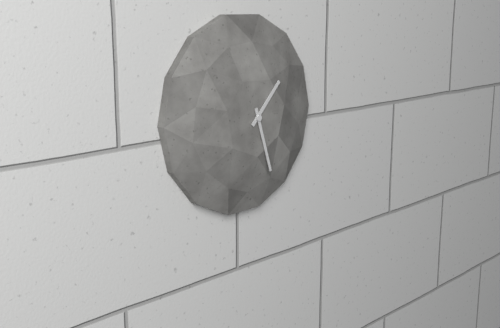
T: 1.27
